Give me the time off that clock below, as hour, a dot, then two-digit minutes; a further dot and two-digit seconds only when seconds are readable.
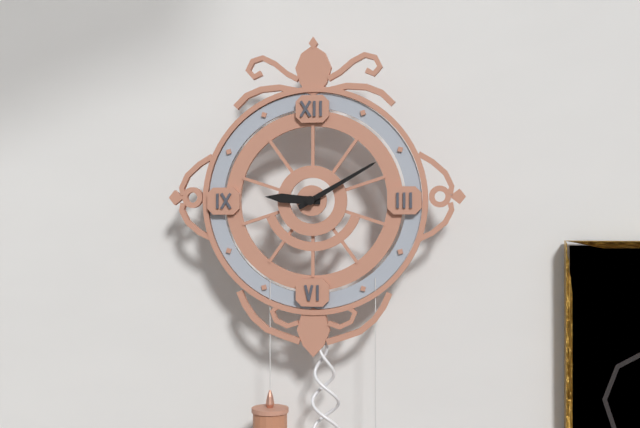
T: 9.10
